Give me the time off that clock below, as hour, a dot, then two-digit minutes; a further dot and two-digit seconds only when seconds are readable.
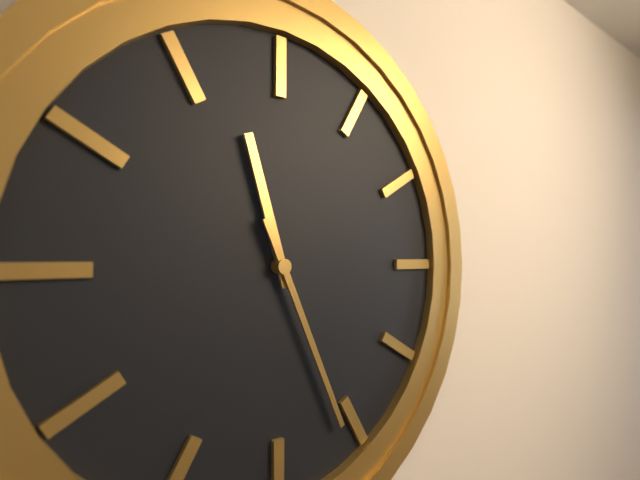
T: 11.26
